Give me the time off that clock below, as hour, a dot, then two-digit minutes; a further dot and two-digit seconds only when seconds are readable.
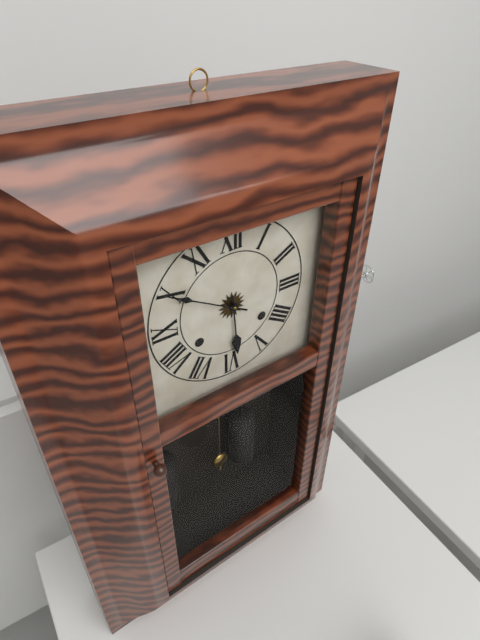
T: 5.50
